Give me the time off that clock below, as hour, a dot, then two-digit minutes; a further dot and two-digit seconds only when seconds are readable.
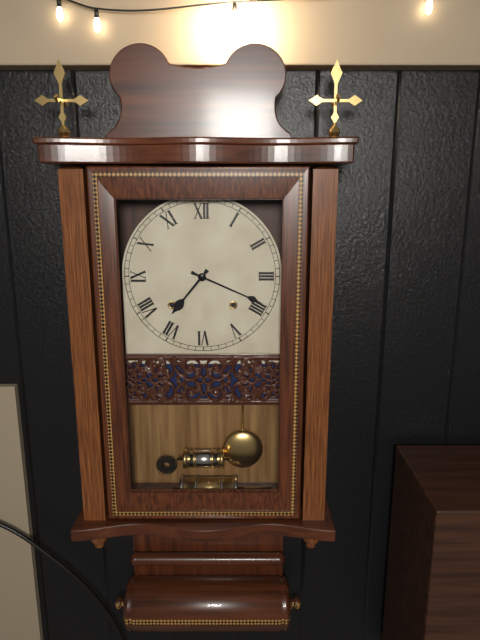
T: 7.19
